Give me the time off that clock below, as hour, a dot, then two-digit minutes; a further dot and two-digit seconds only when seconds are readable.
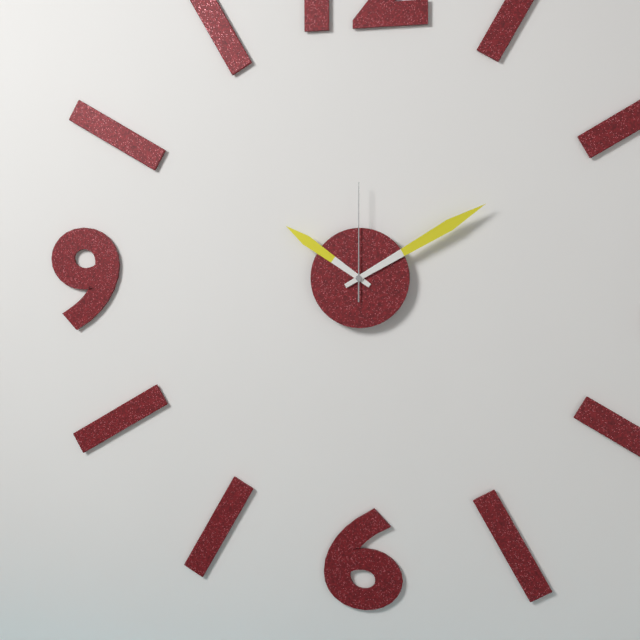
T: 10.10.00
